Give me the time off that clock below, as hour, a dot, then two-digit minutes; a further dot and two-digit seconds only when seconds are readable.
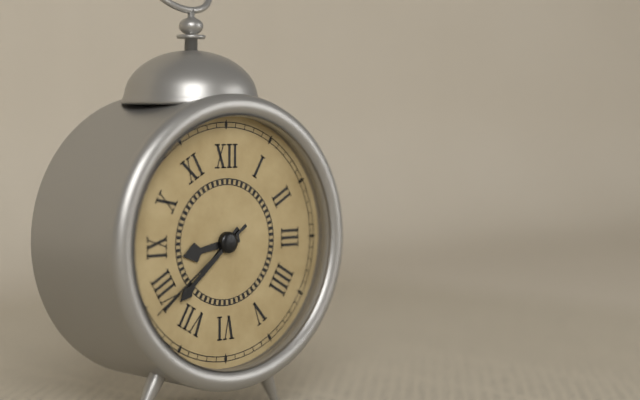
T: 8.38.39
